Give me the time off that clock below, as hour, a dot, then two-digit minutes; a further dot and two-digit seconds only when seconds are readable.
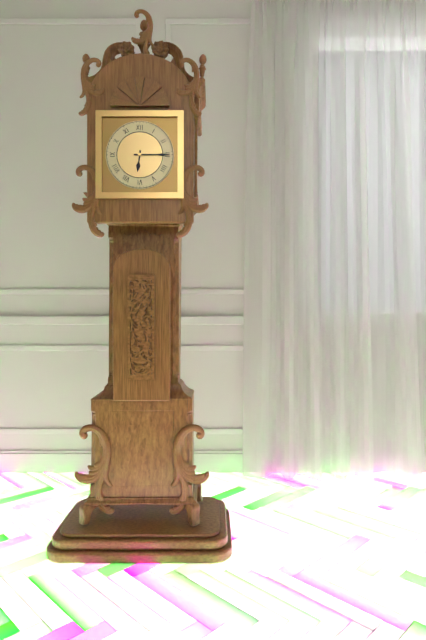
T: 6.15
